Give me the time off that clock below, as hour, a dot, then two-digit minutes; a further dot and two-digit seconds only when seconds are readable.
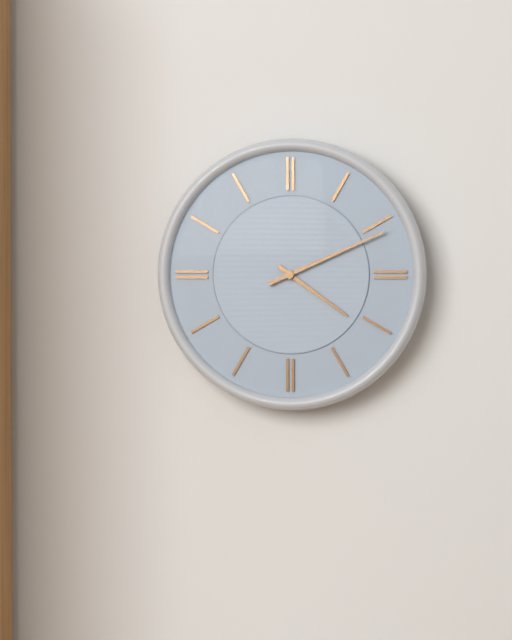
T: 4.11
